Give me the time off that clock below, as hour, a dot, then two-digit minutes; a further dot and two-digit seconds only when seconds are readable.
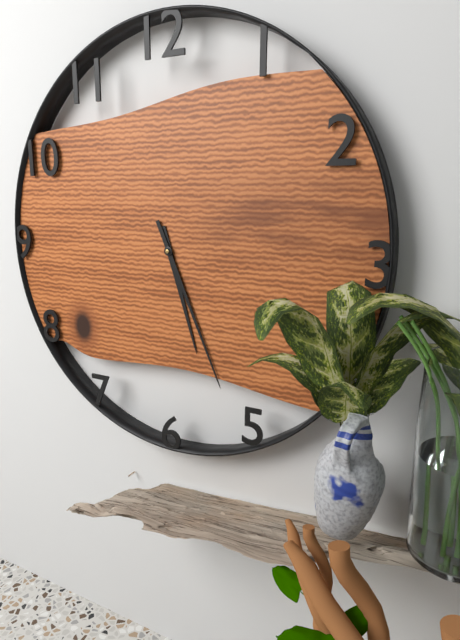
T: 5.26
